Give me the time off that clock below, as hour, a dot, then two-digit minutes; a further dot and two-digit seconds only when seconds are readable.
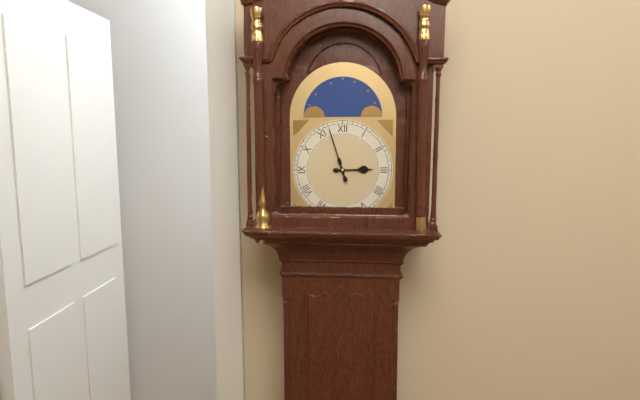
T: 2.57
